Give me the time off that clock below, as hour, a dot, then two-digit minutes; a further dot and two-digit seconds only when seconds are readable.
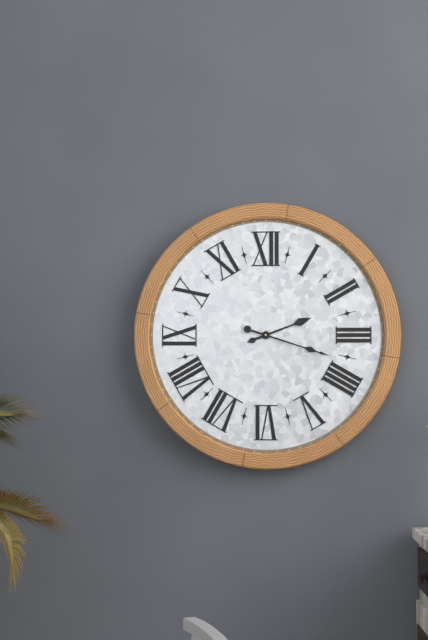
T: 2.18
